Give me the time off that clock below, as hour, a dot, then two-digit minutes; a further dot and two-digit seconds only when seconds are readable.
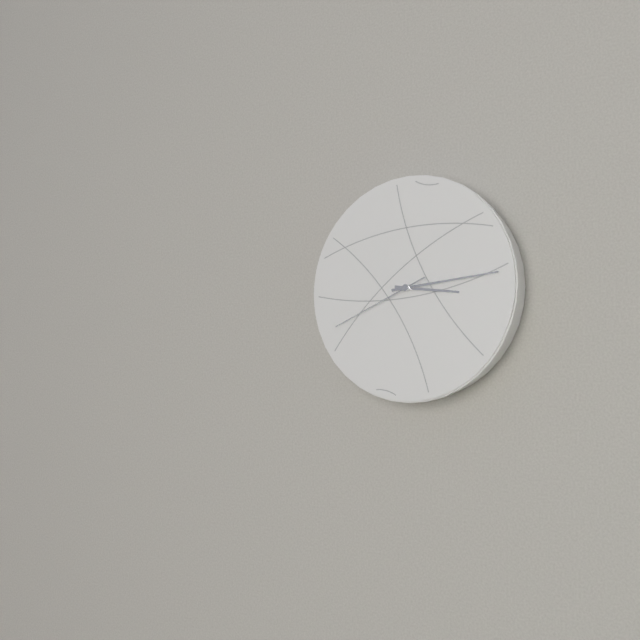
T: 3.14.41
